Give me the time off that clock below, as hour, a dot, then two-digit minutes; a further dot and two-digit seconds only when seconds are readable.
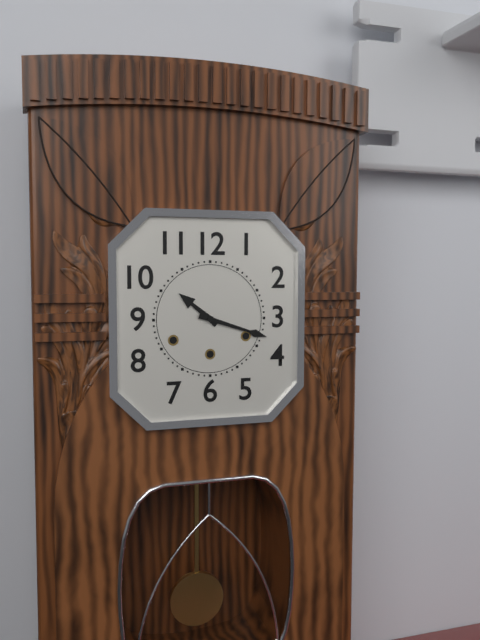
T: 10.18
